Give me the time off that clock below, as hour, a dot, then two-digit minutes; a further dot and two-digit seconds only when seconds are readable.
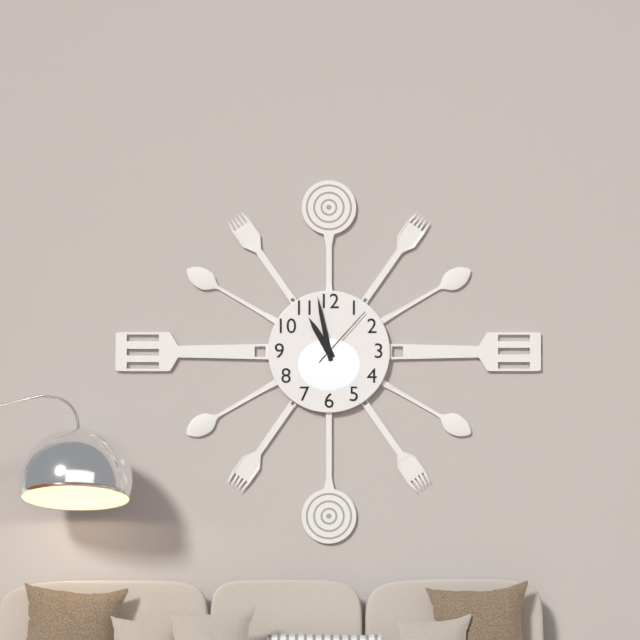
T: 10.58.07
